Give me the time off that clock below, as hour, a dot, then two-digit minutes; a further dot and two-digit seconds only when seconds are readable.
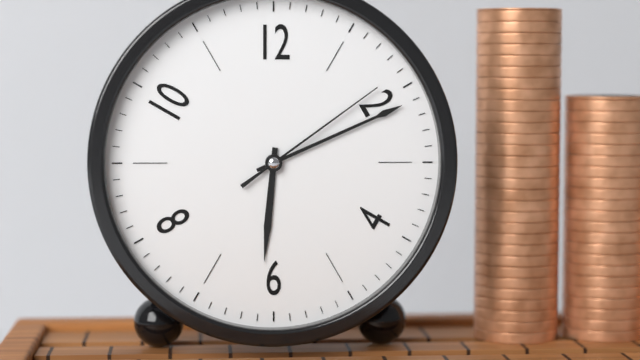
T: 6.11.09
